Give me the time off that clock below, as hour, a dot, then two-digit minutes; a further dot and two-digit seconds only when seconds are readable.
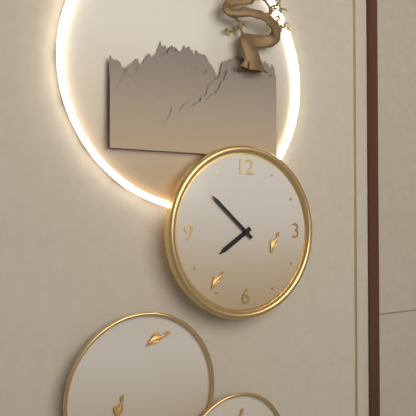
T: 7.52
